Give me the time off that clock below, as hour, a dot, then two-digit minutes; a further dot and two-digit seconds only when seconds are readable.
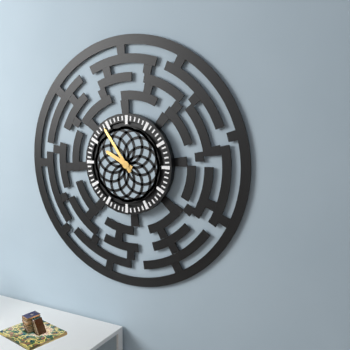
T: 9.54
